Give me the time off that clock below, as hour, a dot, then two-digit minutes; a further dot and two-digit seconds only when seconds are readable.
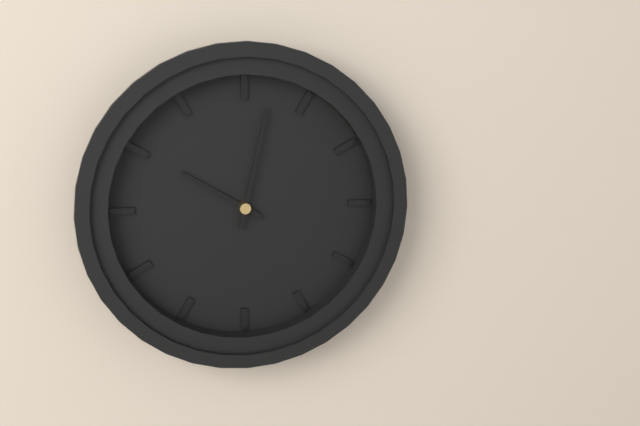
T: 10.02
